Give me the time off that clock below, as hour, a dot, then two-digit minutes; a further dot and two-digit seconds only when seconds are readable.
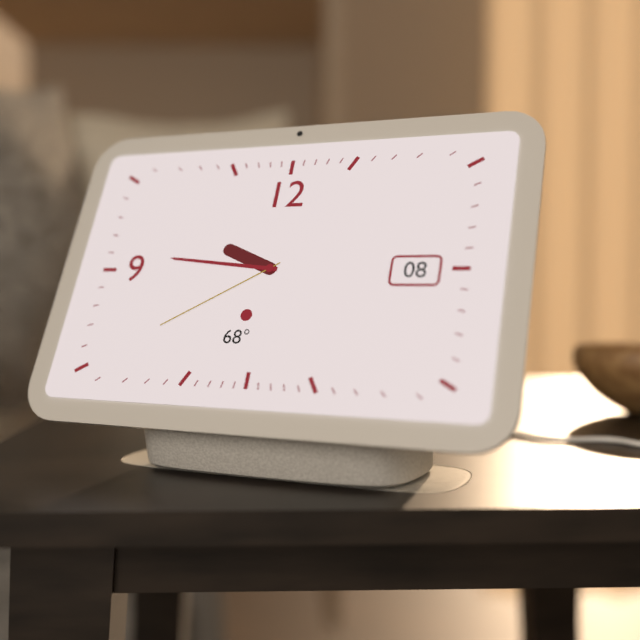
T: 9.46.40
